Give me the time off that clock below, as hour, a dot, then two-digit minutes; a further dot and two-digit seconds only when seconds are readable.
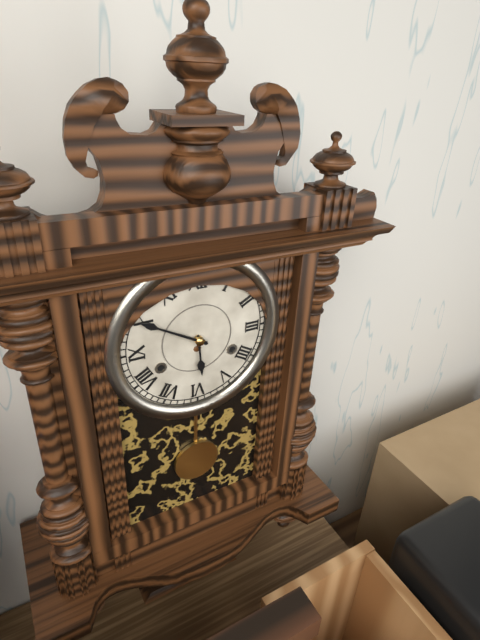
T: 5.50
